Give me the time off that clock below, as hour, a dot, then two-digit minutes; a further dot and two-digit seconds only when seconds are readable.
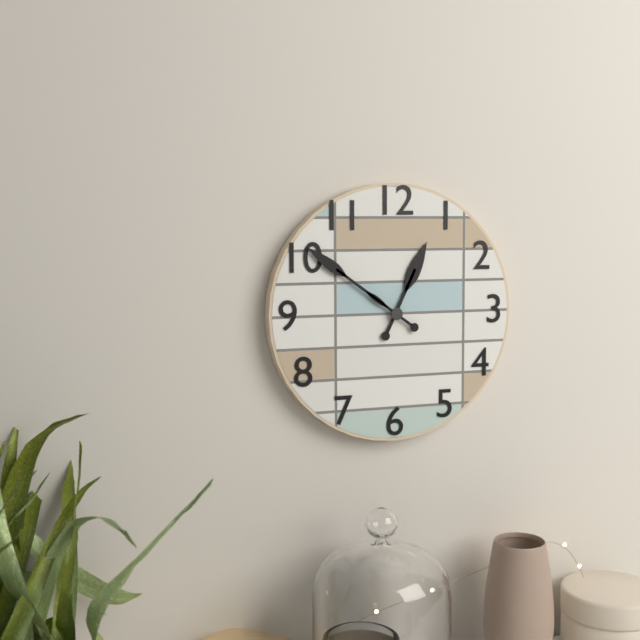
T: 12.51
